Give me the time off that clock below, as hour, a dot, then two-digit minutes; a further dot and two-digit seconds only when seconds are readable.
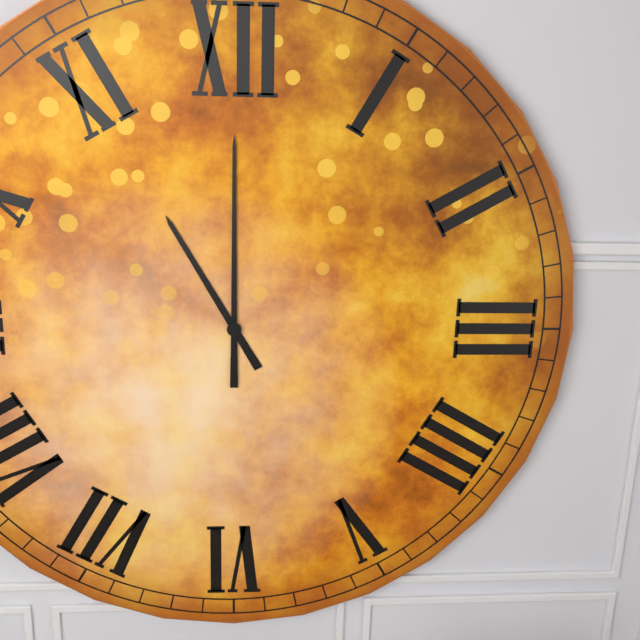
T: 11.00
